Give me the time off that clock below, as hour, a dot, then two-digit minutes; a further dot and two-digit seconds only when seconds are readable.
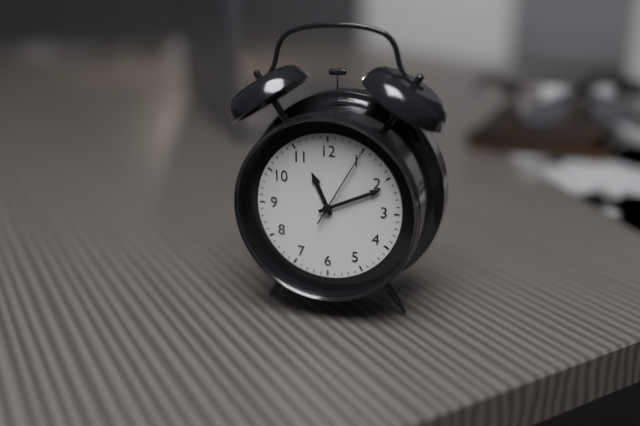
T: 11.11.05
